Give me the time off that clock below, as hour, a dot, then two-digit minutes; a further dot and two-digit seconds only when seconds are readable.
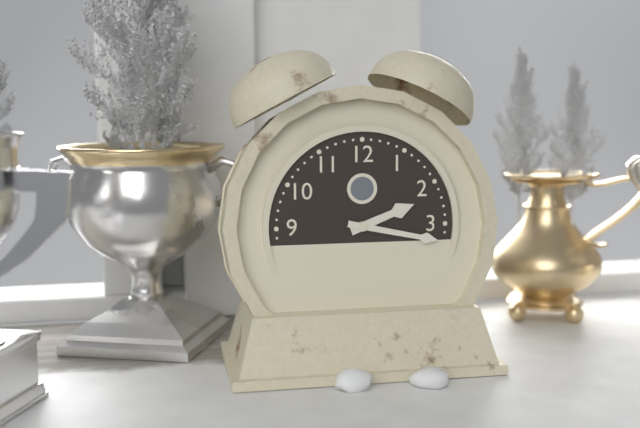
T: 2.17
